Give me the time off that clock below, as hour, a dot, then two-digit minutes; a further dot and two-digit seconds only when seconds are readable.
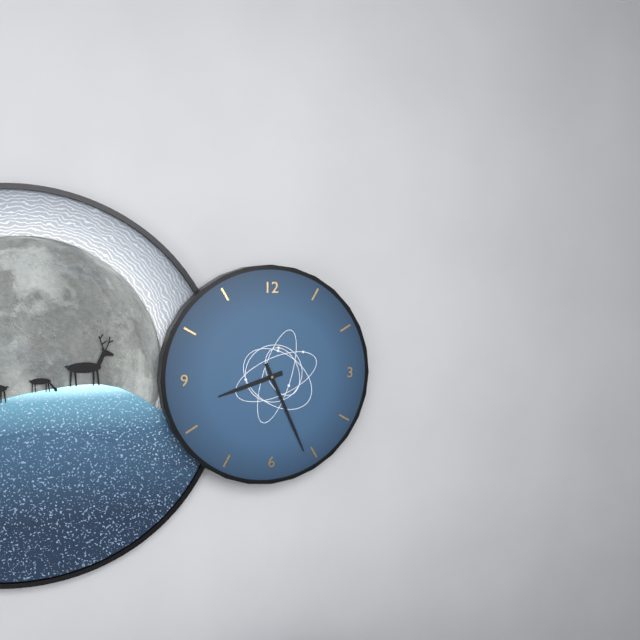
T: 8.26
